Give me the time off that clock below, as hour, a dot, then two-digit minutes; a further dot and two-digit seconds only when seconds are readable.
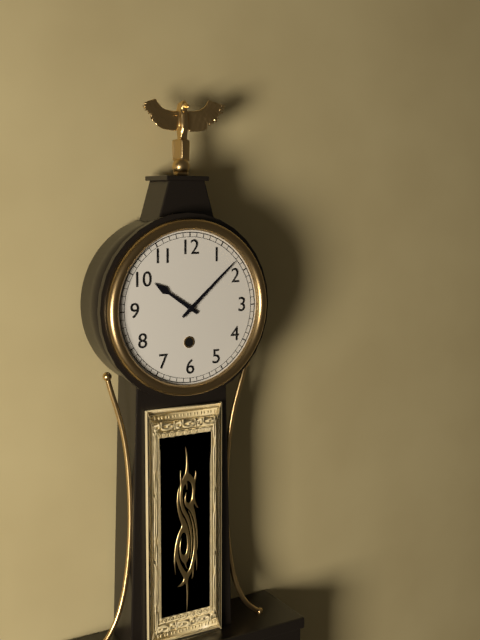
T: 10.08
